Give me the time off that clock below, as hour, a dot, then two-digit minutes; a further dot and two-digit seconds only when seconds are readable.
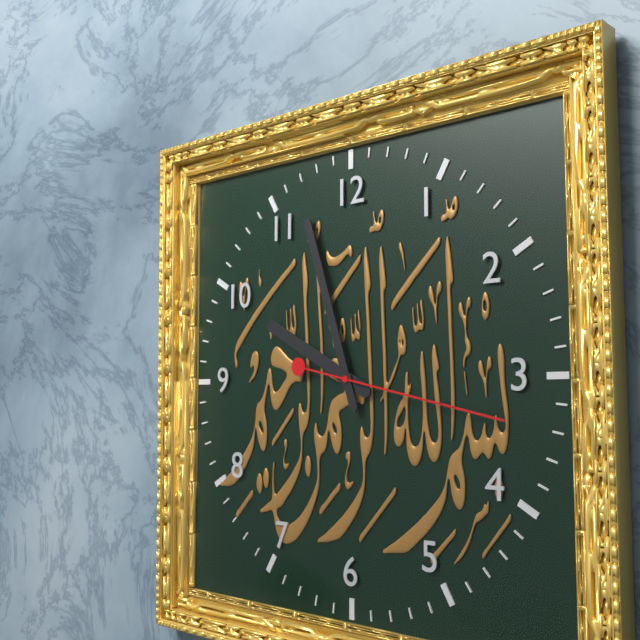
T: 9.57.17
